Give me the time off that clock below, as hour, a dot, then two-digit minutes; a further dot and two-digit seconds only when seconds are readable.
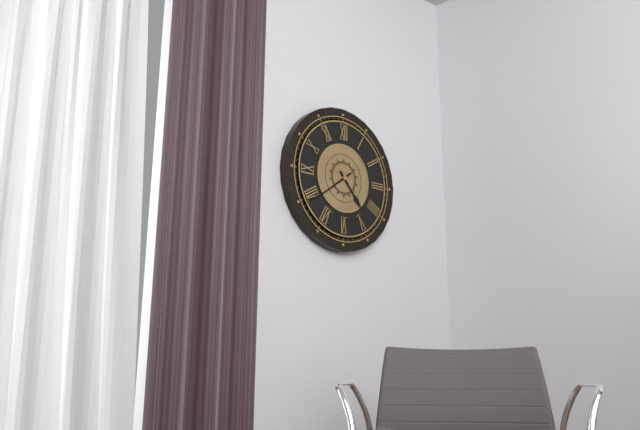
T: 4.39
